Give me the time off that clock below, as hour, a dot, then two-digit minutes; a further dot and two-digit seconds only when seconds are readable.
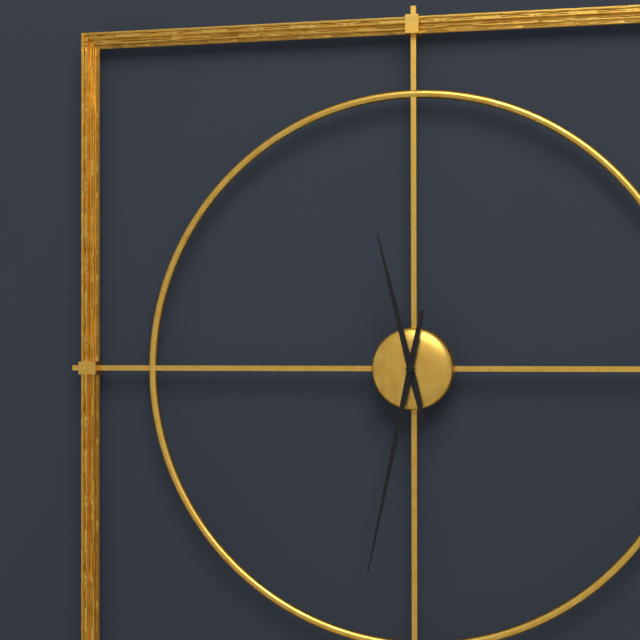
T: 11.32
